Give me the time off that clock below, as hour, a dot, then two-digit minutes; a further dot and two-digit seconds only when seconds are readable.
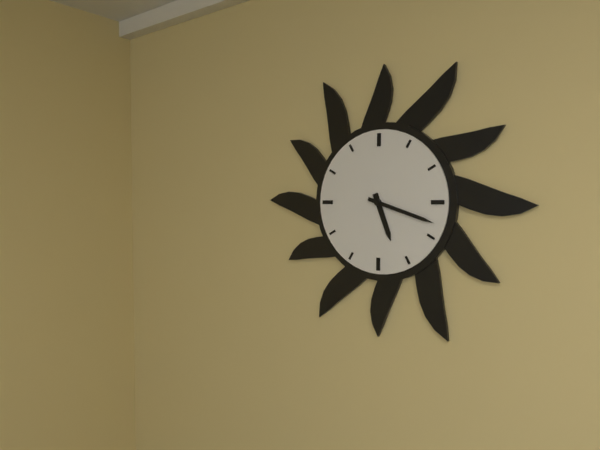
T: 5.18
